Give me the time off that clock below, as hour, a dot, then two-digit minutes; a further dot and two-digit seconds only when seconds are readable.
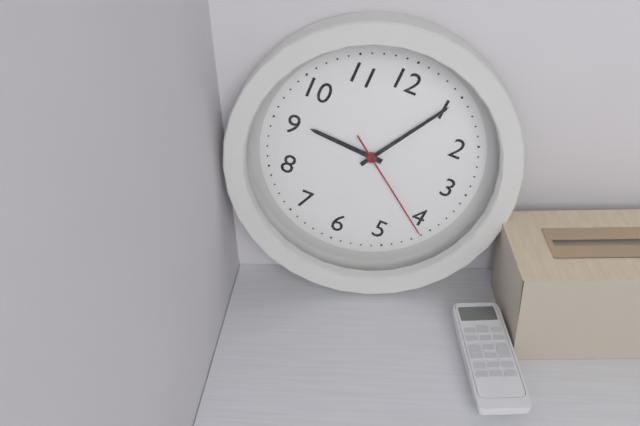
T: 9.05.21
